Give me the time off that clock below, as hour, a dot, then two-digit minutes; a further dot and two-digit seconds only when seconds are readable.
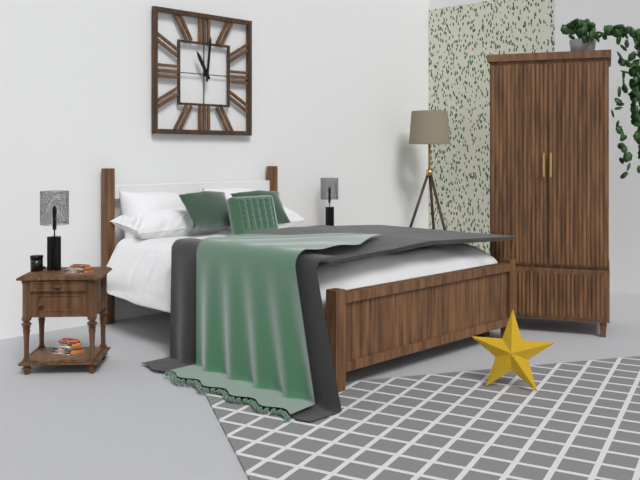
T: 11.01
